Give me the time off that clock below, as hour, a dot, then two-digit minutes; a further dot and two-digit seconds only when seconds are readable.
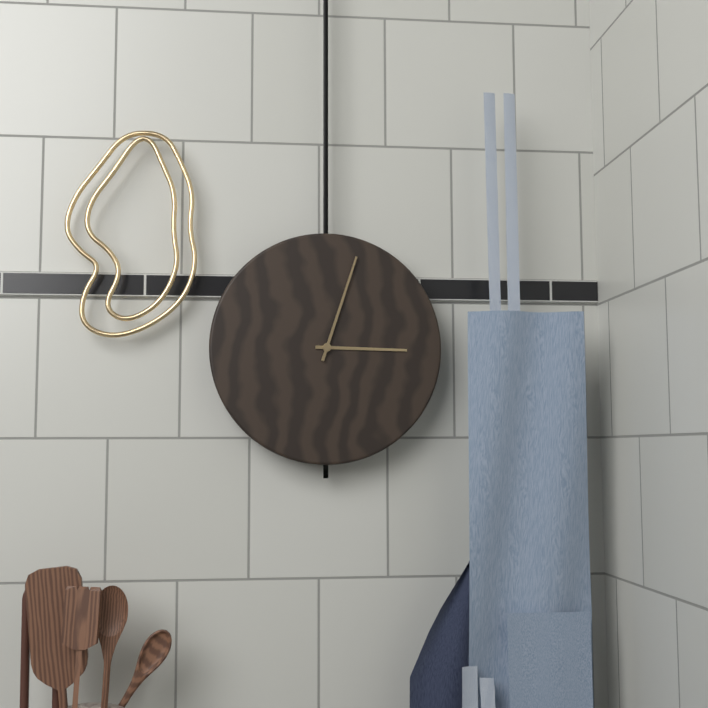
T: 3.03
